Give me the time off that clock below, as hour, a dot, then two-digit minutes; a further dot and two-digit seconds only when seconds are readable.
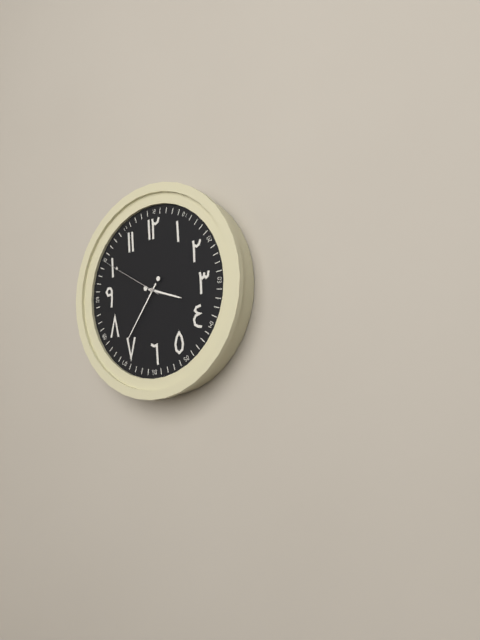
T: 3.36.50
